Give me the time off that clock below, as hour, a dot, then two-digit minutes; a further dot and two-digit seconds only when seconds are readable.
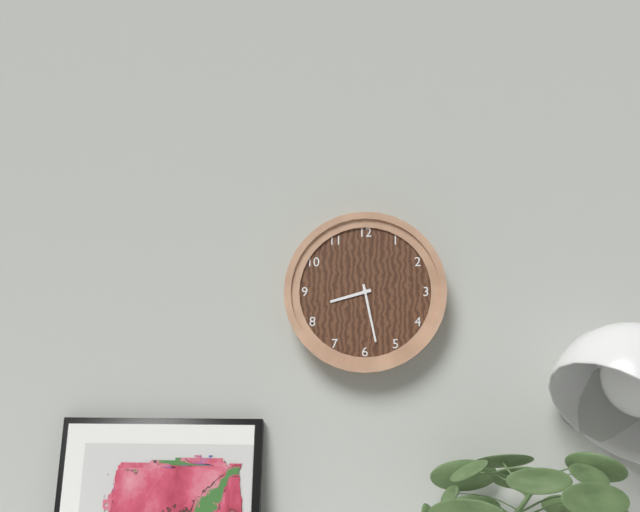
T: 8.28
